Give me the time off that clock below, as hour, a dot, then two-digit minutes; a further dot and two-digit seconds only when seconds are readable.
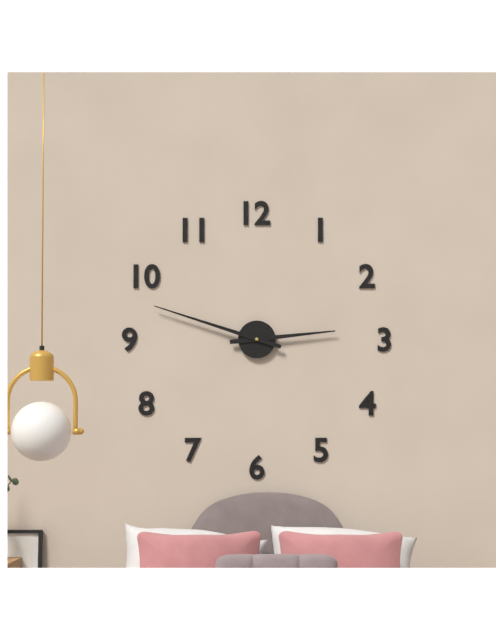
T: 2.48
